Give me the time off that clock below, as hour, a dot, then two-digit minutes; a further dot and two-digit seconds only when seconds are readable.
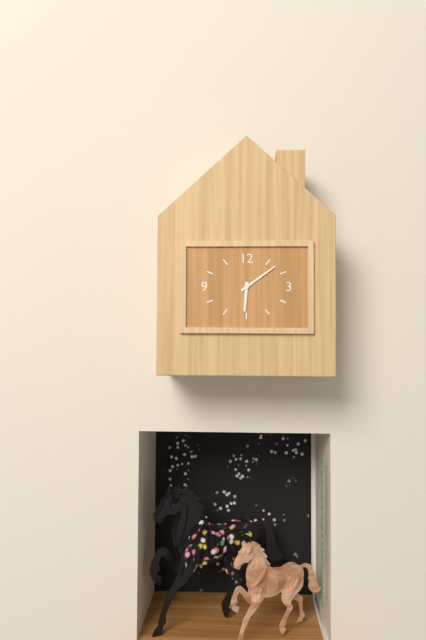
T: 6.09
